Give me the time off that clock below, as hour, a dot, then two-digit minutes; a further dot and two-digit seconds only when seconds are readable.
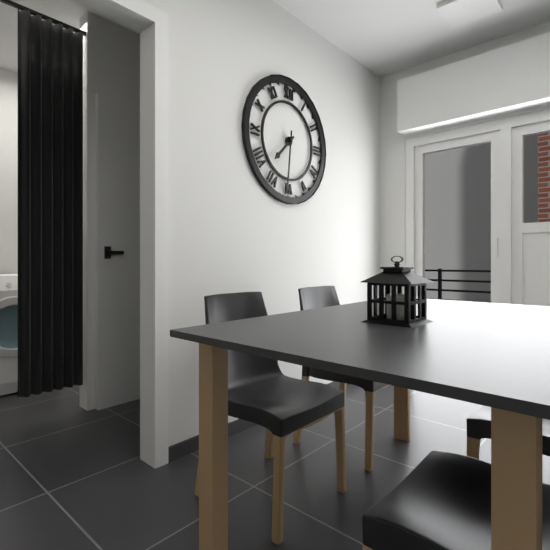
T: 7.31
